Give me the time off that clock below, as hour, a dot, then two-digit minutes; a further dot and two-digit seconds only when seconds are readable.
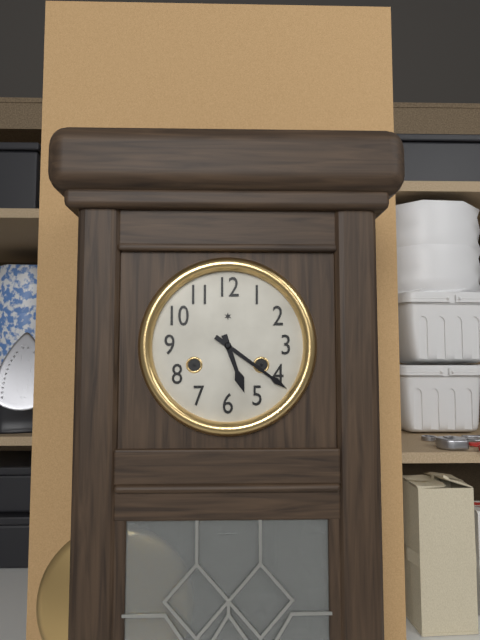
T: 5.21
